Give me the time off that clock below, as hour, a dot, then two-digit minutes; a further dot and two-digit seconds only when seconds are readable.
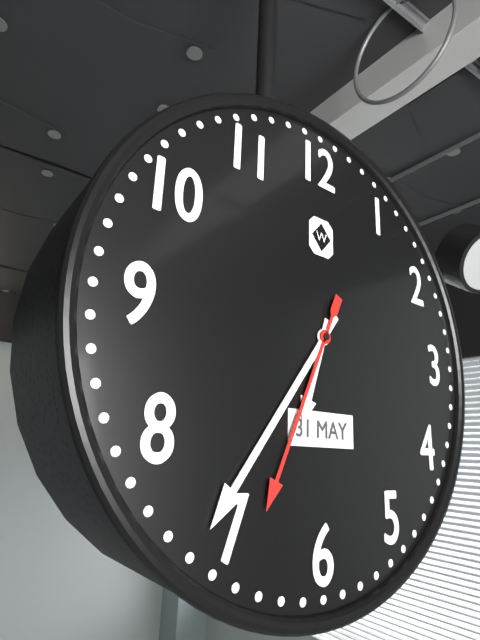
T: 6.36.34
